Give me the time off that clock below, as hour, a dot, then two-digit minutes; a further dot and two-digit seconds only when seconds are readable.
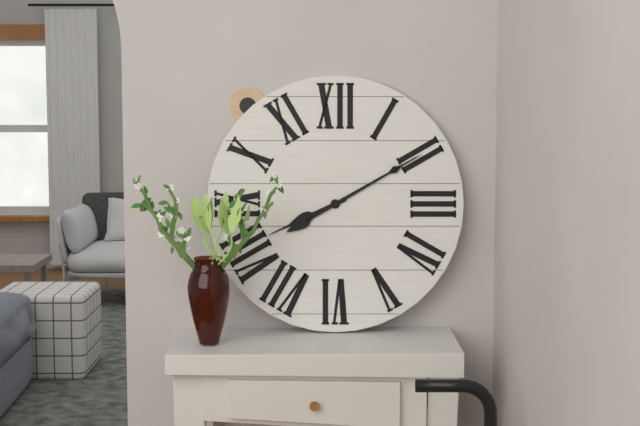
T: 8.10
